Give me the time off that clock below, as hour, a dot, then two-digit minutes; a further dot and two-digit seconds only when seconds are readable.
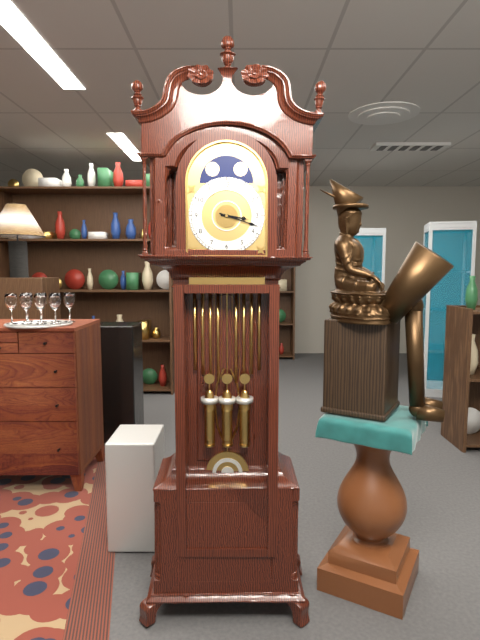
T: 3.18
